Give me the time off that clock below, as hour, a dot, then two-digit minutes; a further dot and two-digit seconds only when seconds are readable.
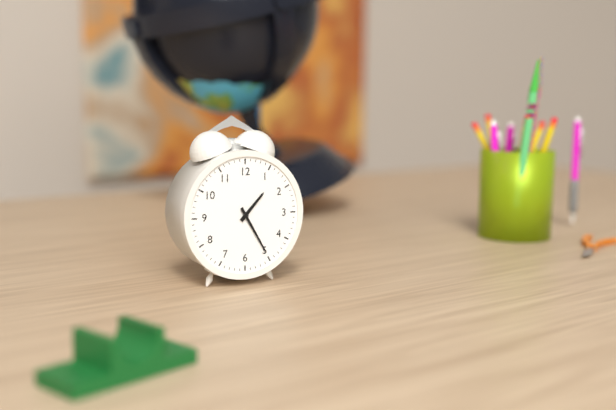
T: 1.25
